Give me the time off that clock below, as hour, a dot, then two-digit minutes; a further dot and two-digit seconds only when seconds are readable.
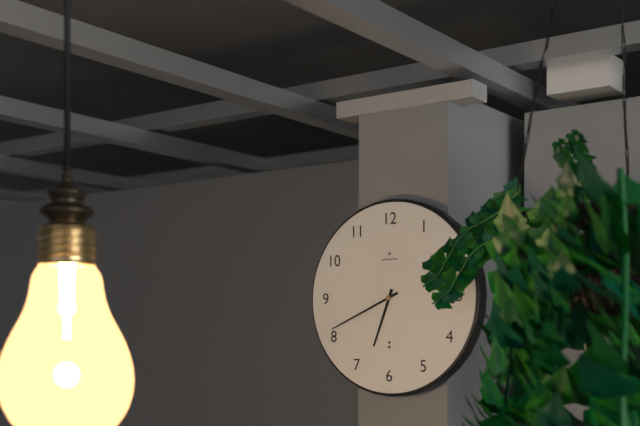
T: 6.41
